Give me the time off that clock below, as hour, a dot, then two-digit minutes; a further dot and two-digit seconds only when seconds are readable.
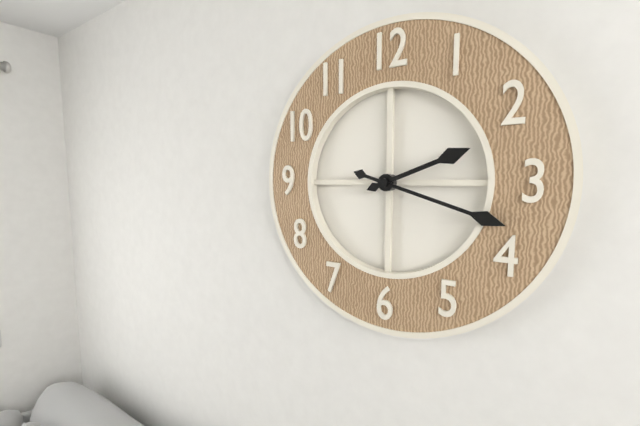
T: 2.18
